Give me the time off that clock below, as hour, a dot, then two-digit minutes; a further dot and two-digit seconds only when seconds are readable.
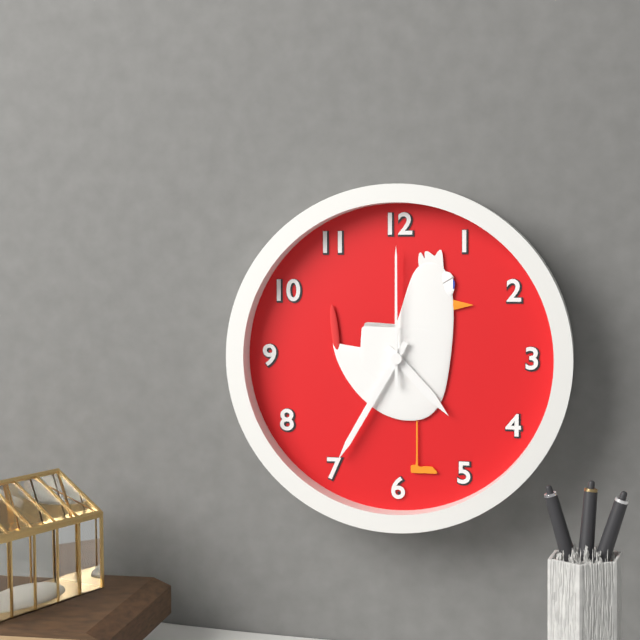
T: 4.35.00
